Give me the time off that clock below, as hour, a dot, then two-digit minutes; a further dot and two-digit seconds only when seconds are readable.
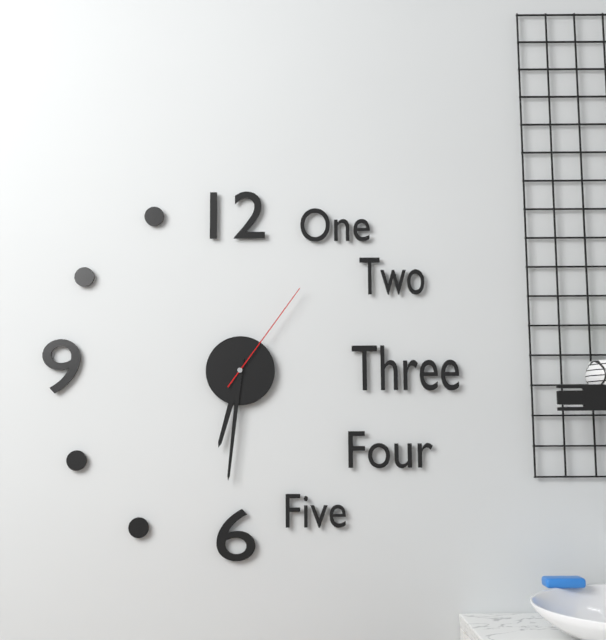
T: 6.31.06
